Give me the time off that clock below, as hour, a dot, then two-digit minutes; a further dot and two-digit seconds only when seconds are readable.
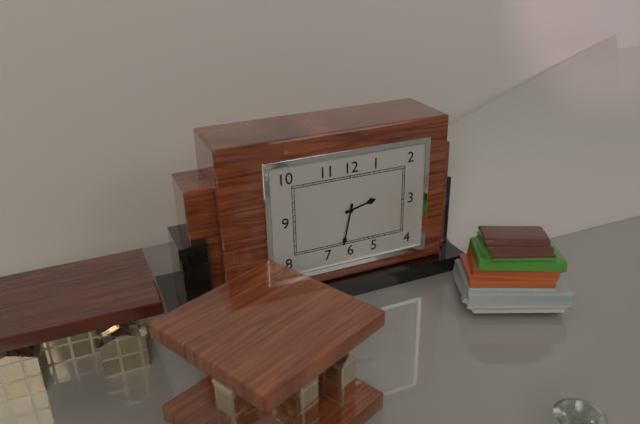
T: 2.32
